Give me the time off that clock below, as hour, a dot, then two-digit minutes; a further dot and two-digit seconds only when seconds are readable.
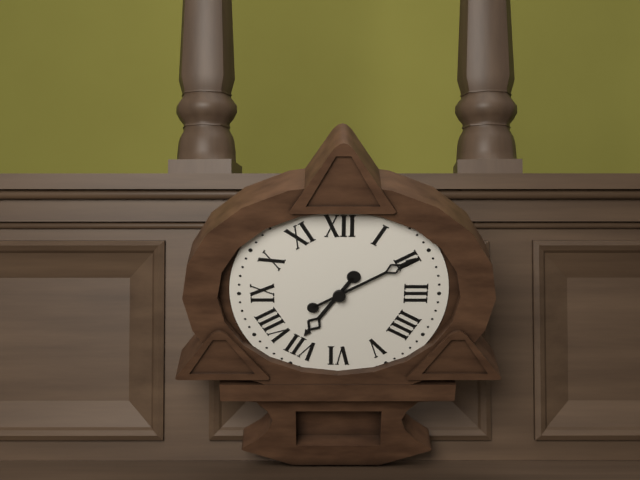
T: 7.10
